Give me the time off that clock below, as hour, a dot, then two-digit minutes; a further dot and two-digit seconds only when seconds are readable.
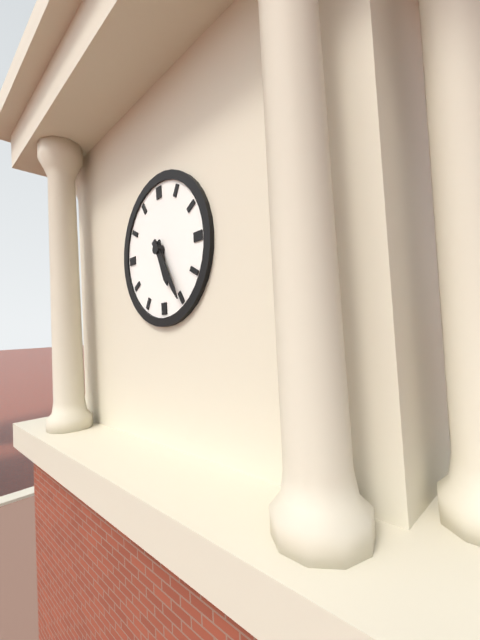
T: 5.25
